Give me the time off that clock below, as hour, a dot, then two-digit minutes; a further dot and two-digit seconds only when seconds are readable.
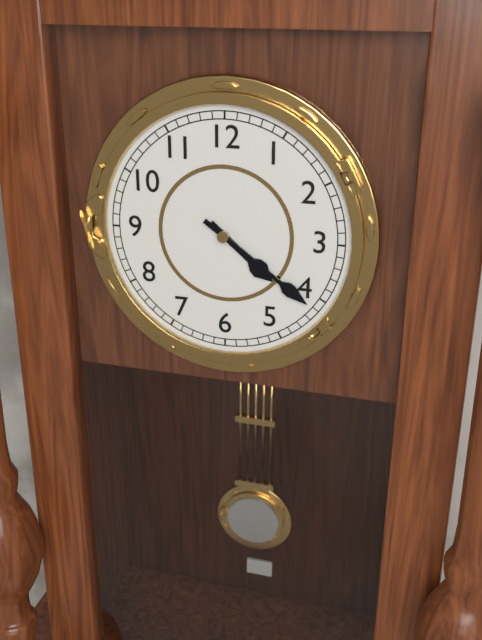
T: 4.21
